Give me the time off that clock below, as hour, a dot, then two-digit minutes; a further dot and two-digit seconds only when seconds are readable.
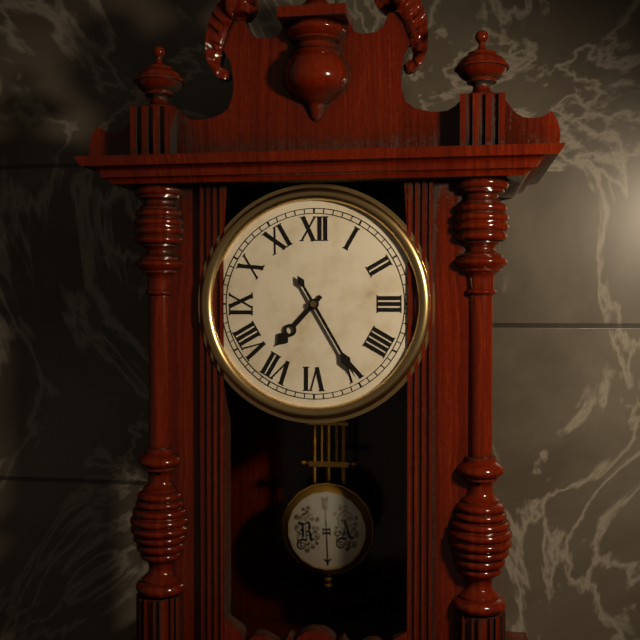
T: 7.25
